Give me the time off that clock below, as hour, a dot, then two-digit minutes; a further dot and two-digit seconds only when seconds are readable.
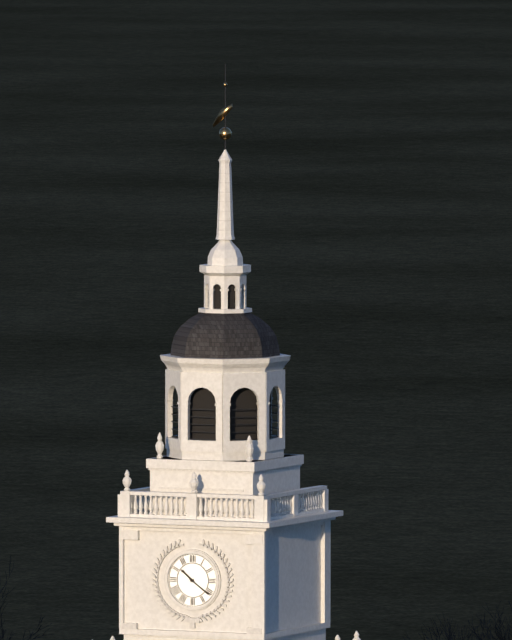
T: 10.21
